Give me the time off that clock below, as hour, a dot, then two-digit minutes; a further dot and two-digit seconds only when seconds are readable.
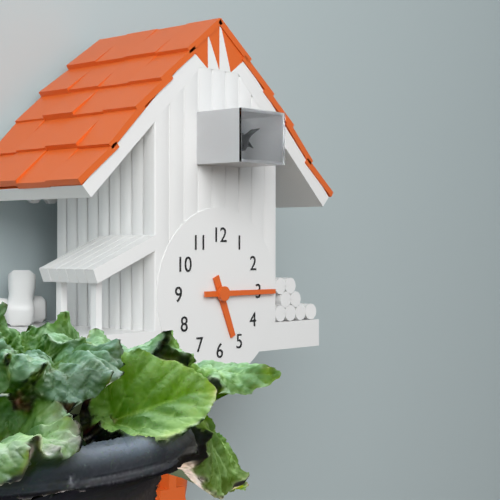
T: 5.15
